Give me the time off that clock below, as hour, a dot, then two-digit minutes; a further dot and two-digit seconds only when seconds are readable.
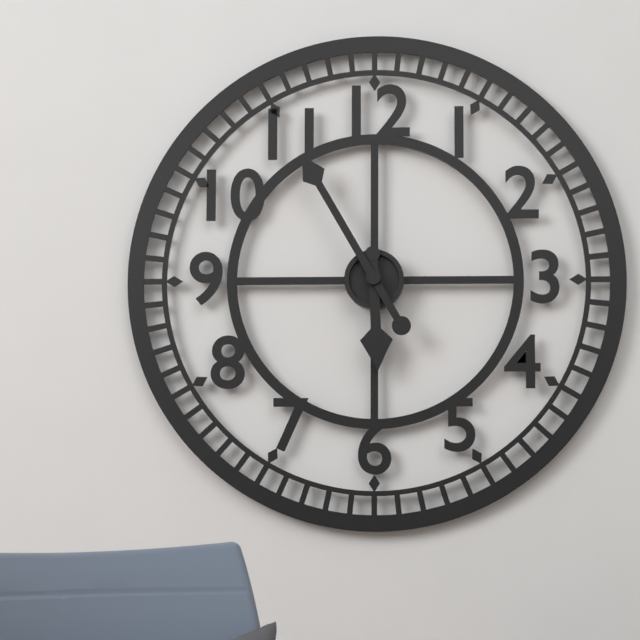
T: 5.55
